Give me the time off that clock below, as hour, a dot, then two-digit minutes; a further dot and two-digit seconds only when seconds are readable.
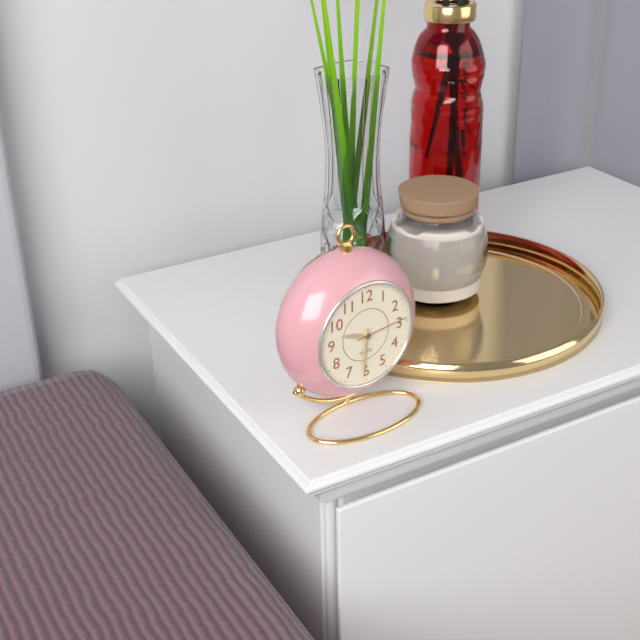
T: 9.31.14
